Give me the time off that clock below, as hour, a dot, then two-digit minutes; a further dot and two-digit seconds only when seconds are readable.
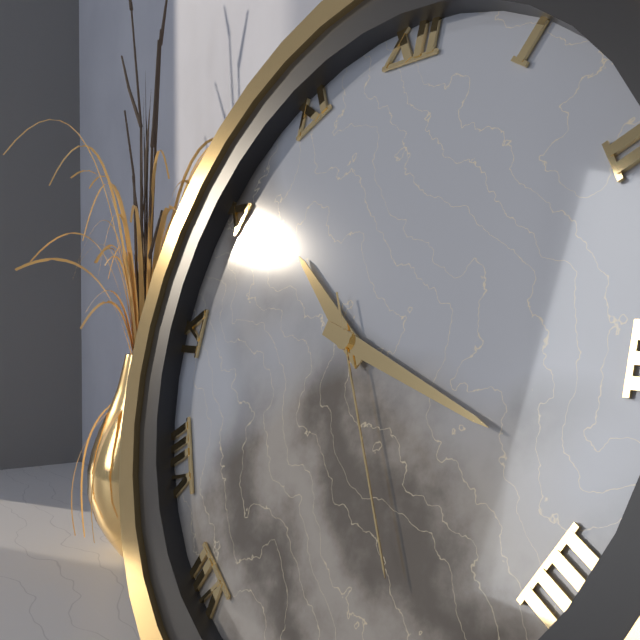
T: 10.18.25
